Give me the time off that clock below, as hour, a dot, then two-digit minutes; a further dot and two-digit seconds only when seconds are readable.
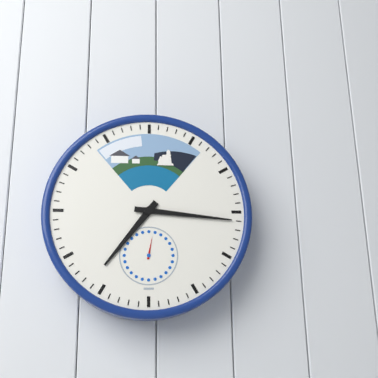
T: 7.16
